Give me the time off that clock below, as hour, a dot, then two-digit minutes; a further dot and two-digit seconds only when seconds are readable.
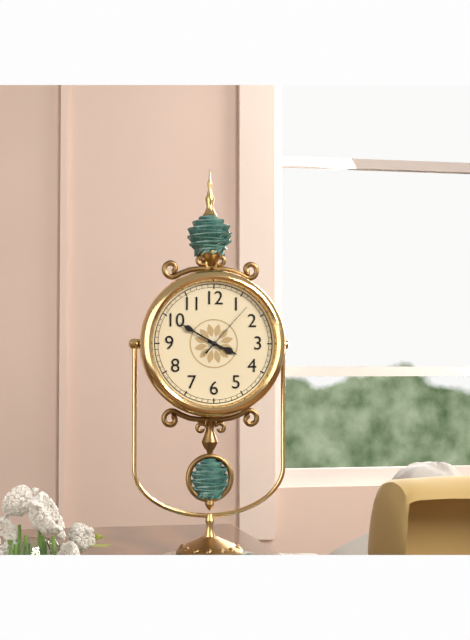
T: 3.50.07
